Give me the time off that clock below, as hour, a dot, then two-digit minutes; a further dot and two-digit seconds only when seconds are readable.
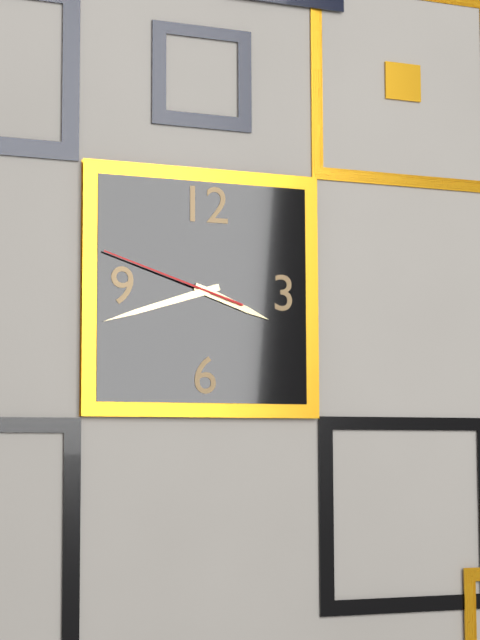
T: 3.42.48
